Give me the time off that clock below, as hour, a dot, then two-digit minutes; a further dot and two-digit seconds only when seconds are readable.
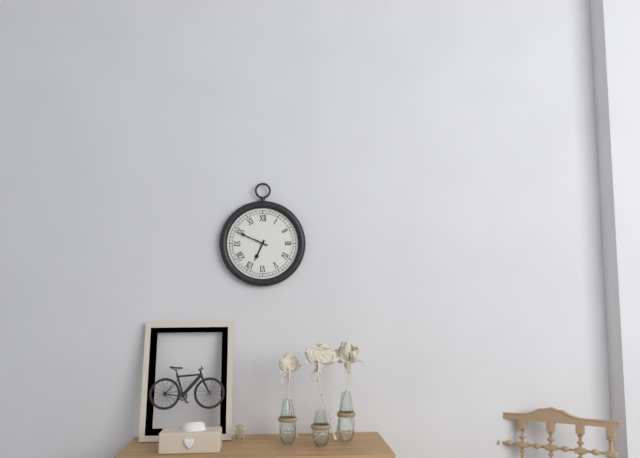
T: 6.49
